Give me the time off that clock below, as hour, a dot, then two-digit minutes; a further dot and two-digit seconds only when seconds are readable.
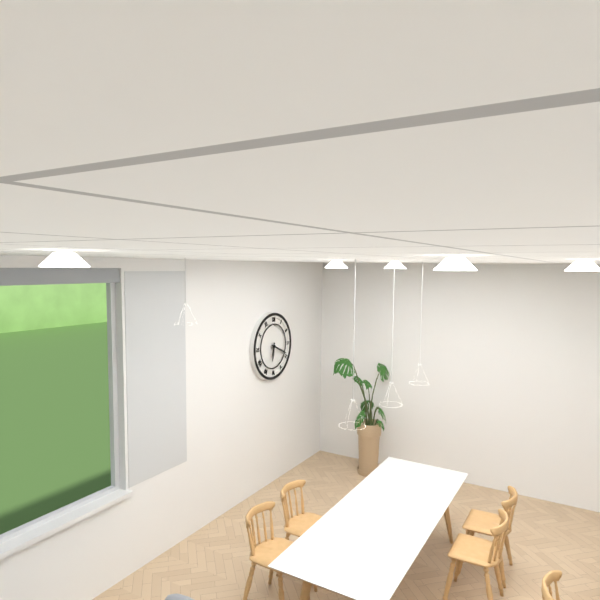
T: 6.19
